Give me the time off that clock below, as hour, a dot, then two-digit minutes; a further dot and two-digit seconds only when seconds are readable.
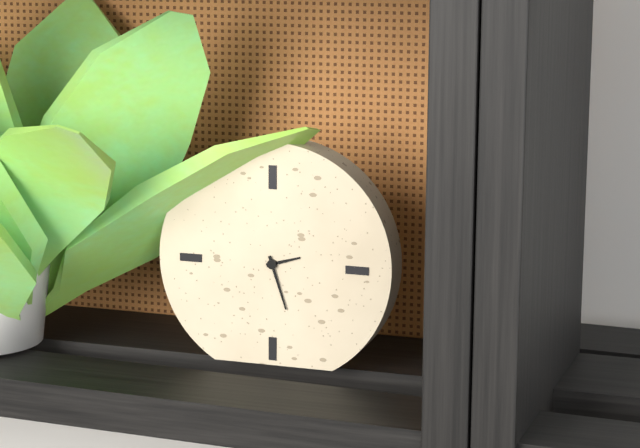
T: 2.27
